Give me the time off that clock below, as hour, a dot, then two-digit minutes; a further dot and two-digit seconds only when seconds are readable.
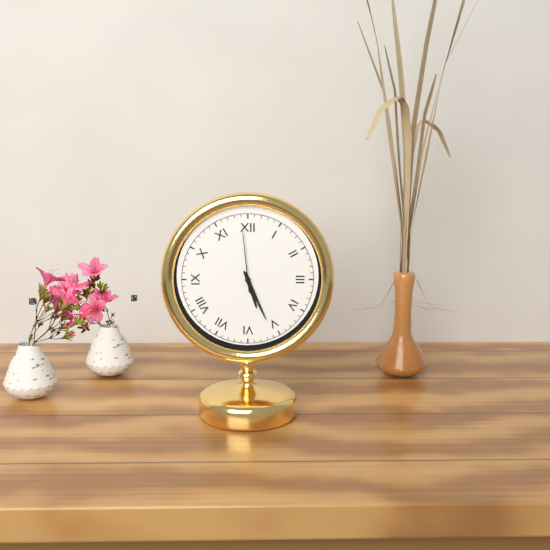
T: 5.26.59
